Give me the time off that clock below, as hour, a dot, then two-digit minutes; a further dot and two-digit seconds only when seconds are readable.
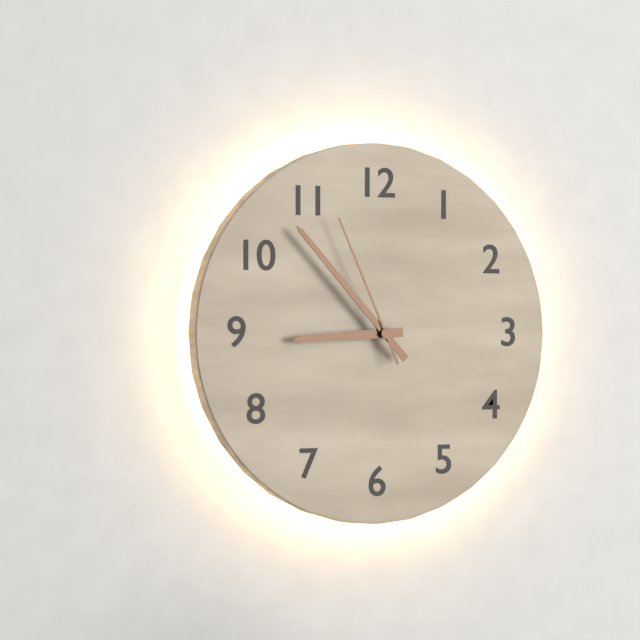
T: 8.53.56
